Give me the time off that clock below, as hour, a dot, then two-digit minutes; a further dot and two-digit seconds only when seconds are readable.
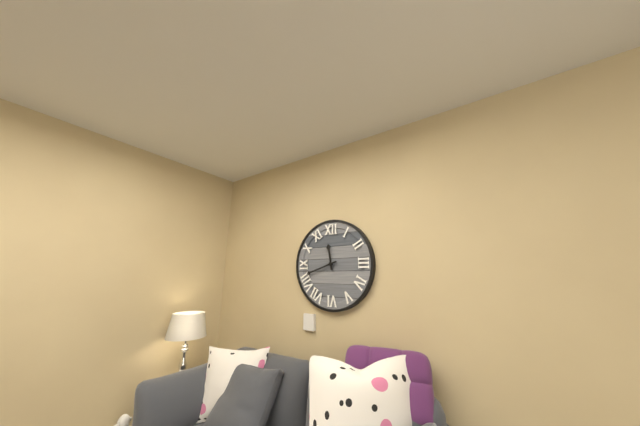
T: 11.42
